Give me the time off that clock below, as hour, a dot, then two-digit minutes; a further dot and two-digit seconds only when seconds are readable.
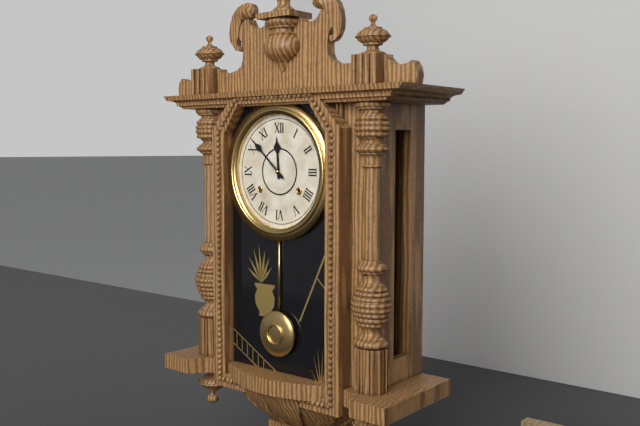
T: 11.52
